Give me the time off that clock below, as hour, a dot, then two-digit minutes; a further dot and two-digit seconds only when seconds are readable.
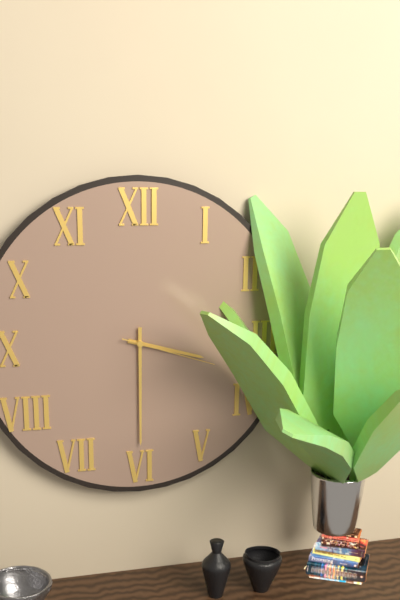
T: 3.30.18
